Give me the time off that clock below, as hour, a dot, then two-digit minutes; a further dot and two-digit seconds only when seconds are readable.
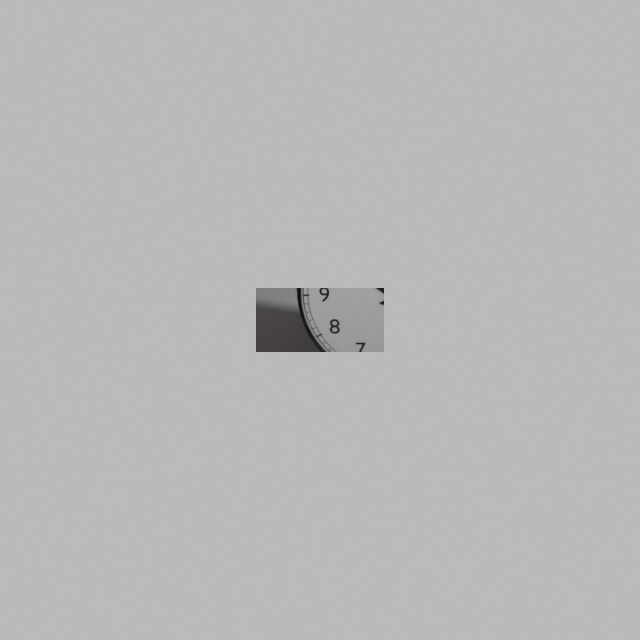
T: 10.10.11
